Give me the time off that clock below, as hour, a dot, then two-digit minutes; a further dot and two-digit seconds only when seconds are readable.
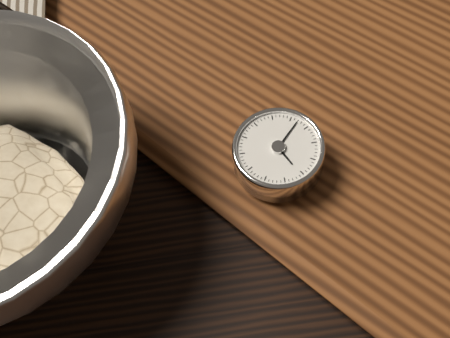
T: 5.07
